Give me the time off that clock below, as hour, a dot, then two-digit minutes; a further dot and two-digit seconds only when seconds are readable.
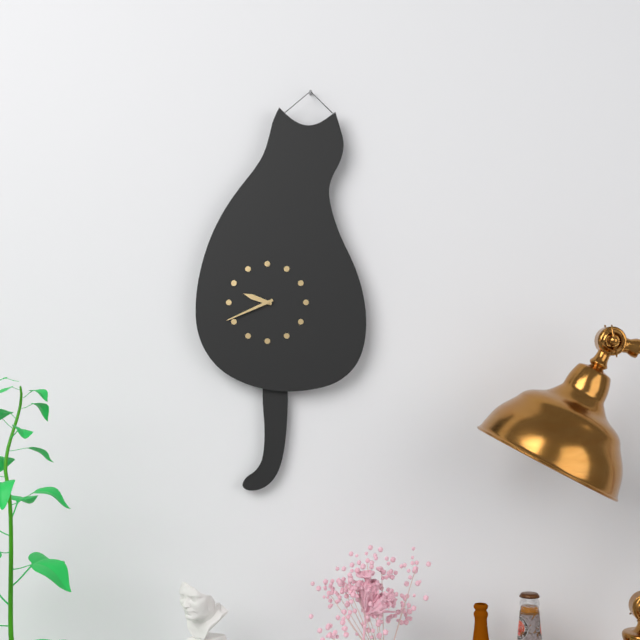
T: 9.41
